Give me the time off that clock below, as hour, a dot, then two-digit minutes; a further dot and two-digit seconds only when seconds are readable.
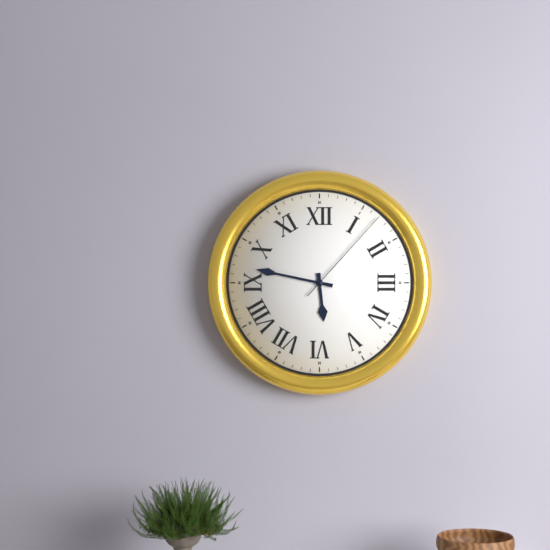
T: 5.47.07
